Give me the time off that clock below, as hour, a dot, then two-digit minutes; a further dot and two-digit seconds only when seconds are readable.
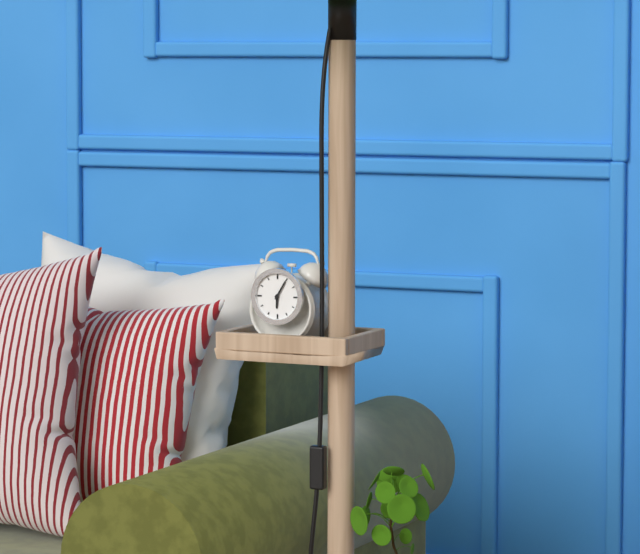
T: 6.05
